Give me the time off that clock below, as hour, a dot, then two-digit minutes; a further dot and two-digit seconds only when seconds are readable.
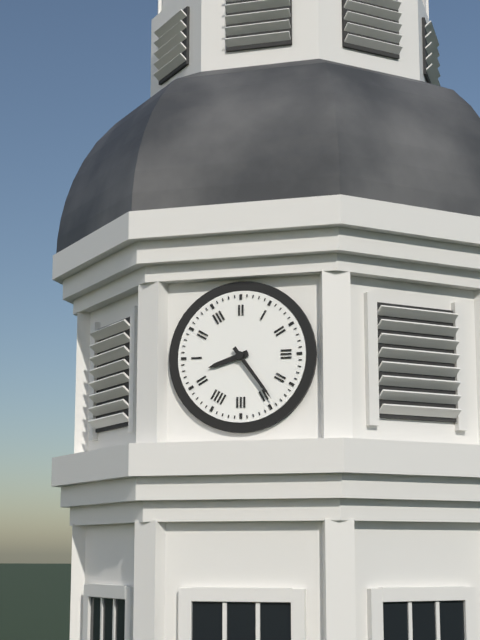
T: 8.24
